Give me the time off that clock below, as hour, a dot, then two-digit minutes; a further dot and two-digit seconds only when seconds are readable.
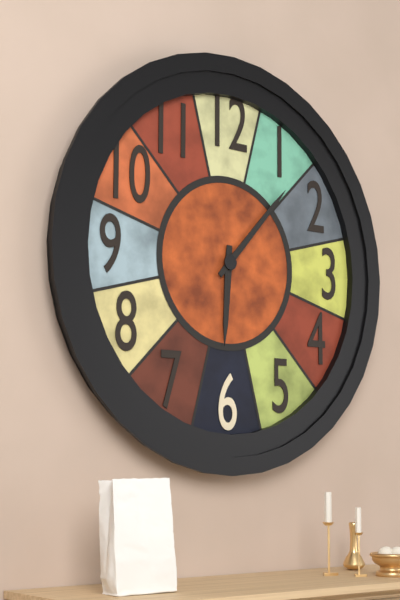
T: 6.07
